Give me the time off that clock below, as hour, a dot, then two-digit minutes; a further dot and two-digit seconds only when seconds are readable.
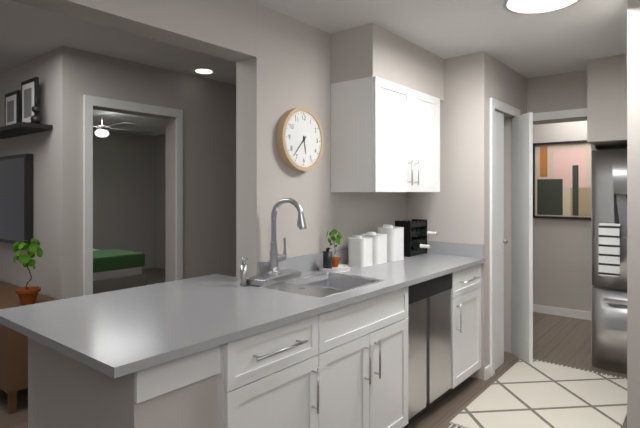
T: 5.37
